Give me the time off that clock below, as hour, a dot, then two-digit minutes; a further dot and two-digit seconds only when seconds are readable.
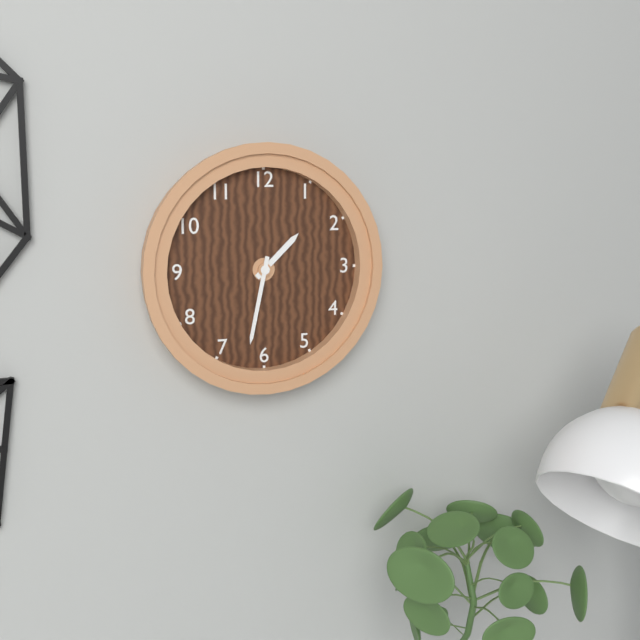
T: 1.32
